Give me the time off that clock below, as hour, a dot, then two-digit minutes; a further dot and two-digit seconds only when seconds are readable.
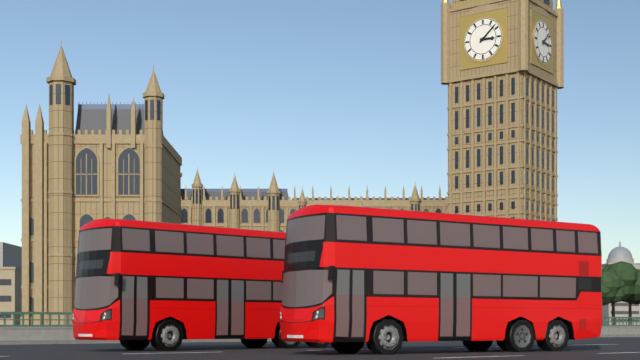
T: 3.08
